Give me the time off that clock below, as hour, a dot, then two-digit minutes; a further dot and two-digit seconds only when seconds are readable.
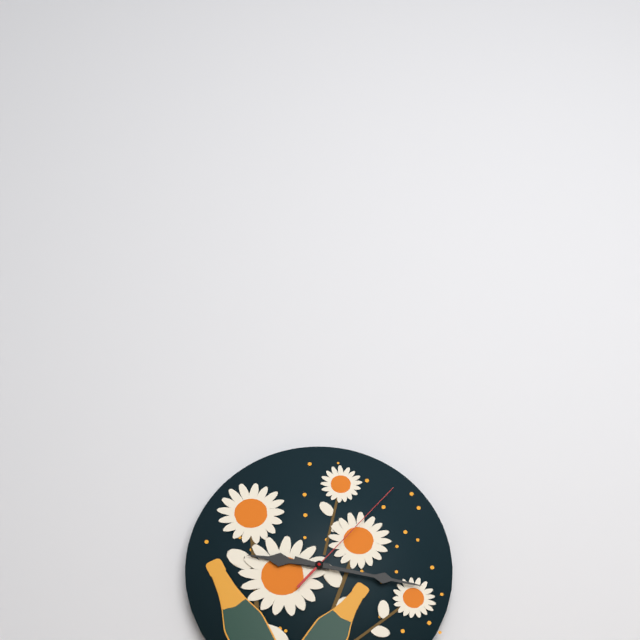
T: 9.17.07
